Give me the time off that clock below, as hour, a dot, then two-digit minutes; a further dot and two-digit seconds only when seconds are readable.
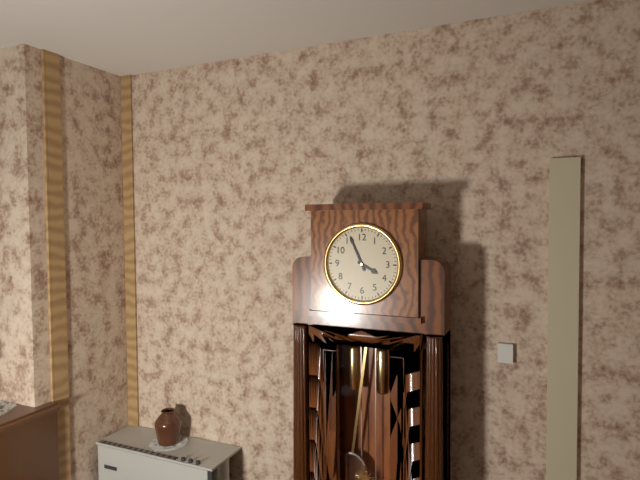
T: 3.56
